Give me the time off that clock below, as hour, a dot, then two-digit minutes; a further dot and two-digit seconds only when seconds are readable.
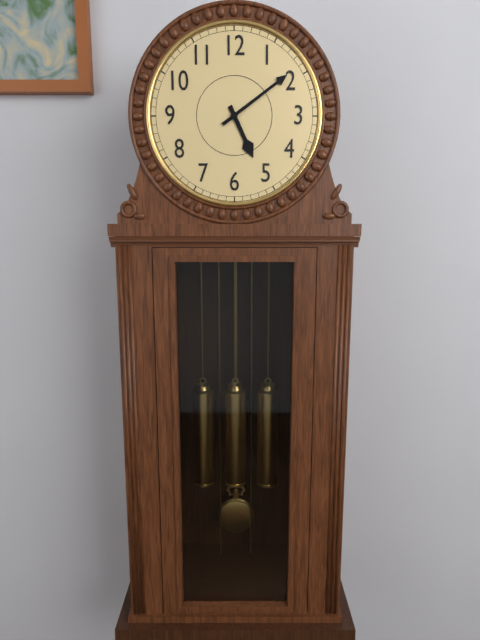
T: 5.09
